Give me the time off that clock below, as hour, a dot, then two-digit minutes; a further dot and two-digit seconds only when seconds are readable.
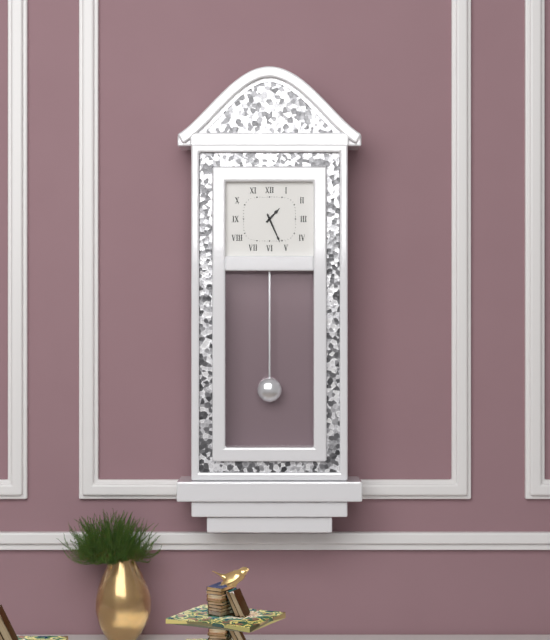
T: 1.26
